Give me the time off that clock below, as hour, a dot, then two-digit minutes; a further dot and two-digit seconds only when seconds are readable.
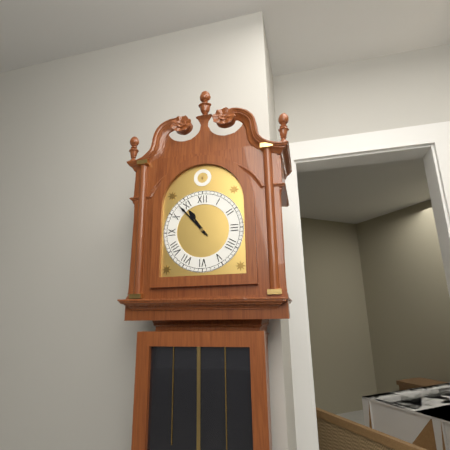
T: 10.53
